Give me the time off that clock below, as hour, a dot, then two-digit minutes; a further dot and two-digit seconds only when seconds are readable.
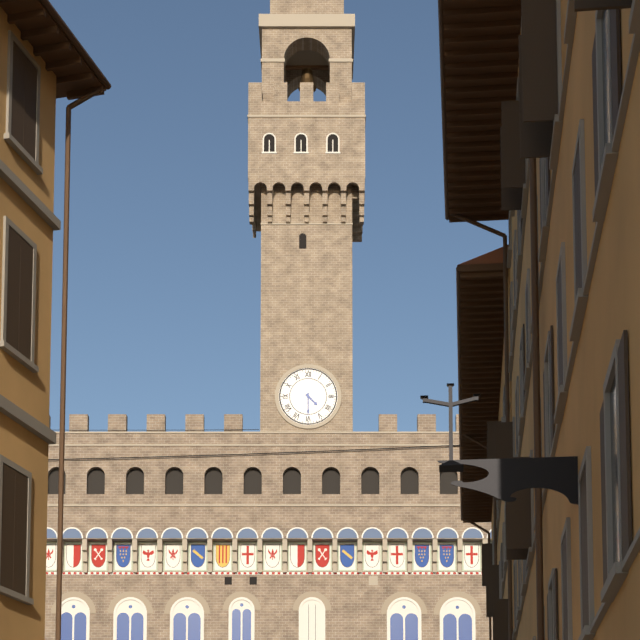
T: 4.30
